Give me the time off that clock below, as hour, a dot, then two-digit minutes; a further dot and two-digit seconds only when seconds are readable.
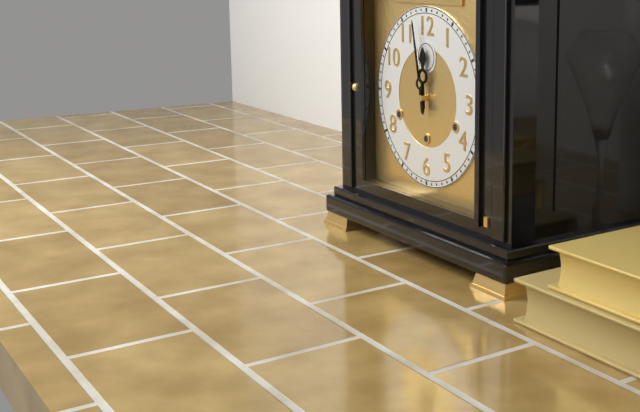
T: 11.58
